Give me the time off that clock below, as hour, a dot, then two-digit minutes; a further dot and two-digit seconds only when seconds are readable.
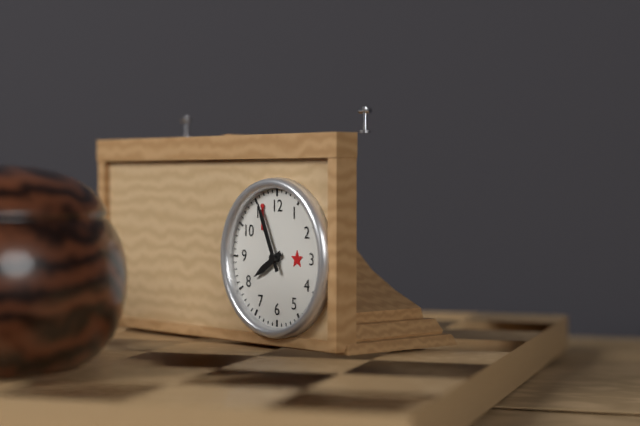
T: 7.56
